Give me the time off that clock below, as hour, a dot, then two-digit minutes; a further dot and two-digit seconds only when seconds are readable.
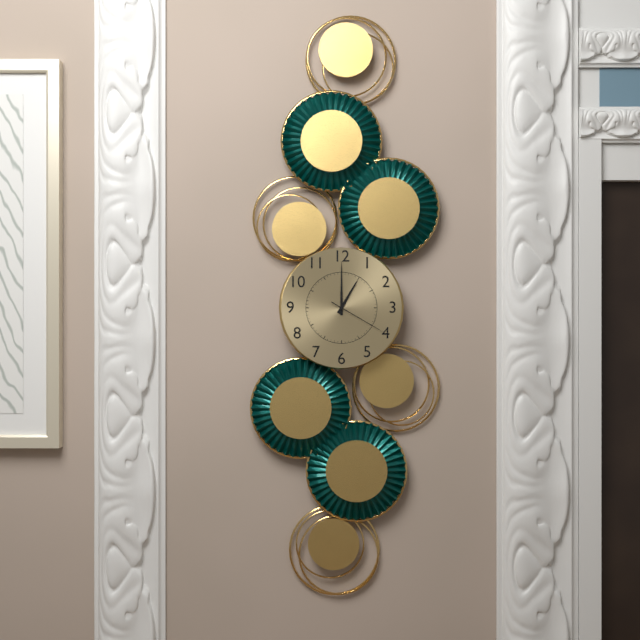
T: 1.00.20
